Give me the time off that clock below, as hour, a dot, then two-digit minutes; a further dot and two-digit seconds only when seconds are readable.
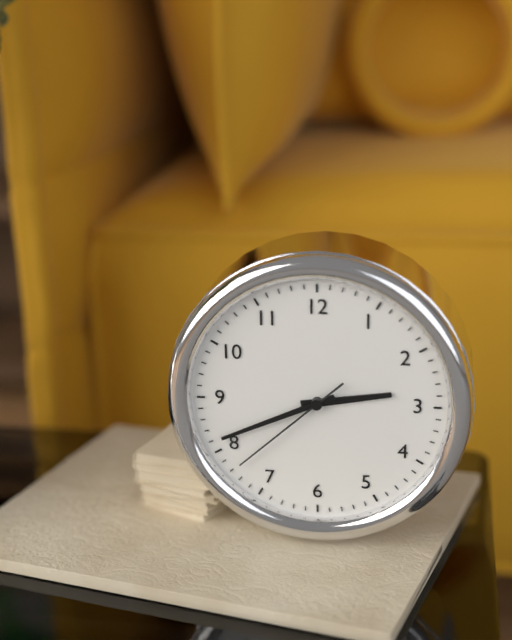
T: 2.41.38
